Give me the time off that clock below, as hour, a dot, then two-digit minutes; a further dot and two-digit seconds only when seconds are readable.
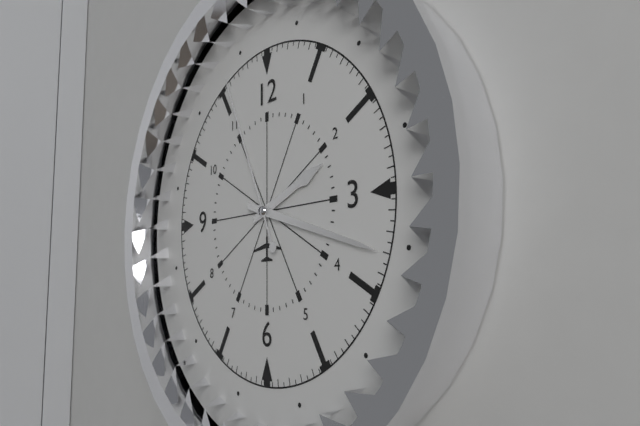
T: 2.18.56
